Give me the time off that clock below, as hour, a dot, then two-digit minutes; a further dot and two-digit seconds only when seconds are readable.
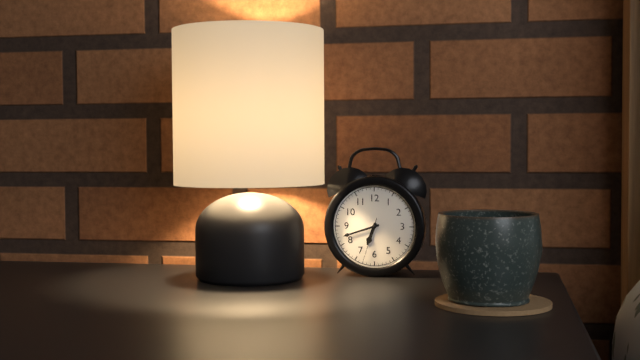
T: 6.42
